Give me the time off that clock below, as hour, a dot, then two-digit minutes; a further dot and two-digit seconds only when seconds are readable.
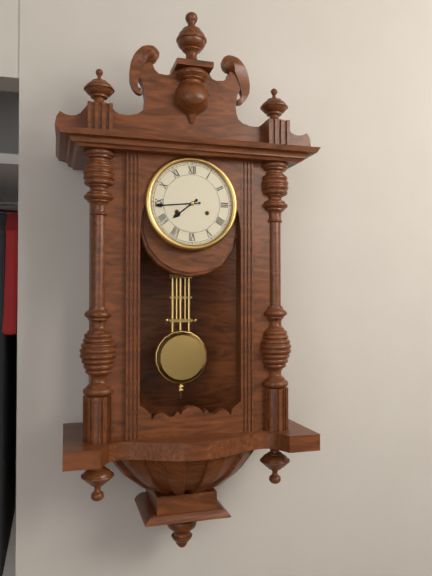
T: 7.44
